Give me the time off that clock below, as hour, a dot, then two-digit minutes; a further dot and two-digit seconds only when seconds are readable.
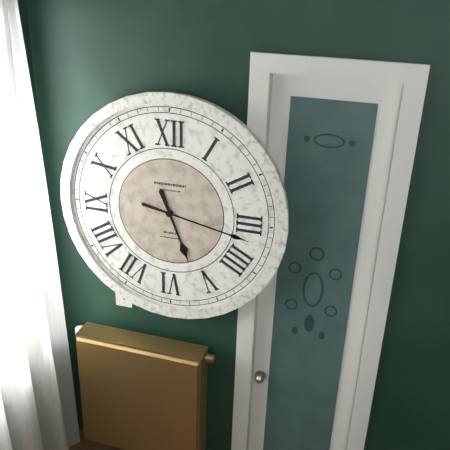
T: 5.17
